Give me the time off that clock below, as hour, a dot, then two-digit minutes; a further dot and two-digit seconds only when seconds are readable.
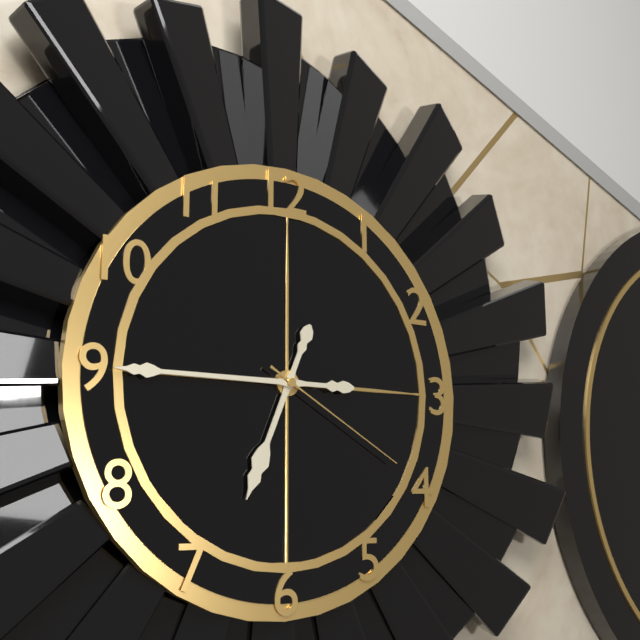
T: 6.45.20
